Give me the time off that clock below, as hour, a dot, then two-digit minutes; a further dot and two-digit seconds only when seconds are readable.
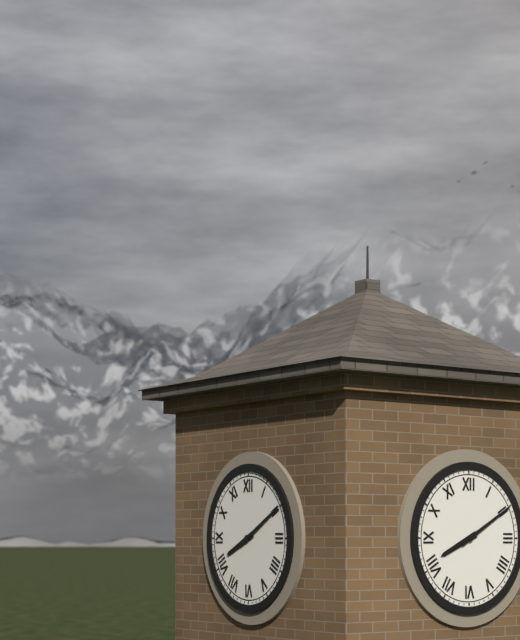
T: 8.10
